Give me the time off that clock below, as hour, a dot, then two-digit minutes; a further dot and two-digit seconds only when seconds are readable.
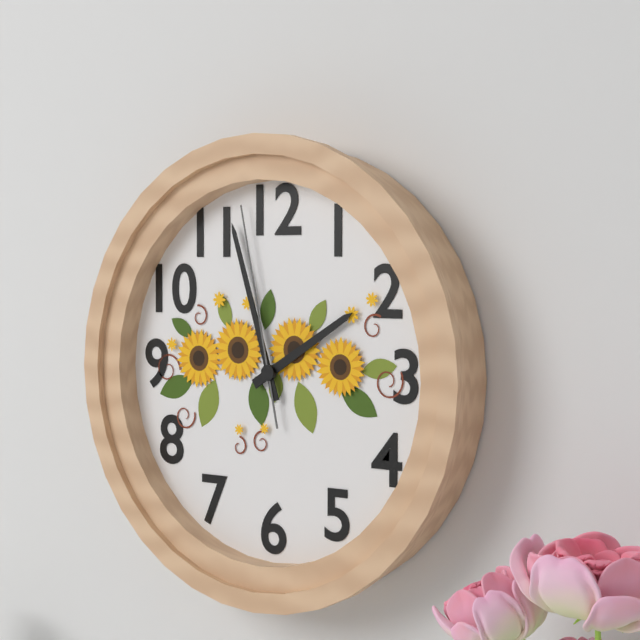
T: 1.57.58
